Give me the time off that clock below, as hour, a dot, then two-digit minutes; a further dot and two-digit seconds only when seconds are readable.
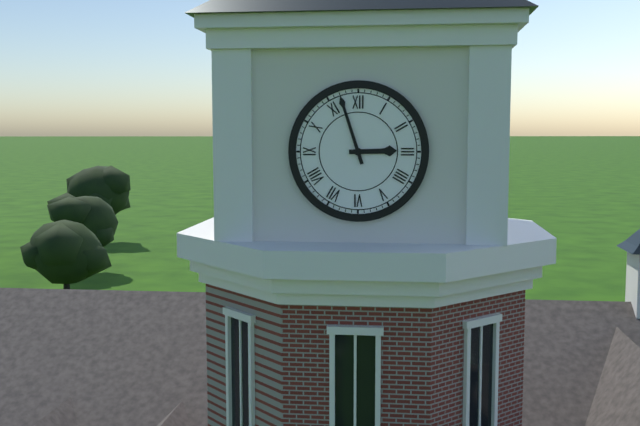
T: 2.57
